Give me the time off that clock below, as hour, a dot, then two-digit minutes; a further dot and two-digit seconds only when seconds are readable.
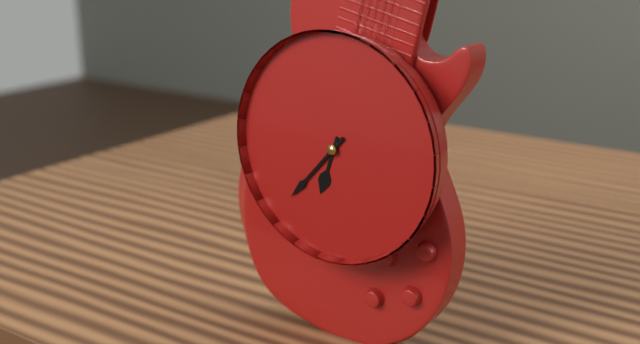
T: 6.37
